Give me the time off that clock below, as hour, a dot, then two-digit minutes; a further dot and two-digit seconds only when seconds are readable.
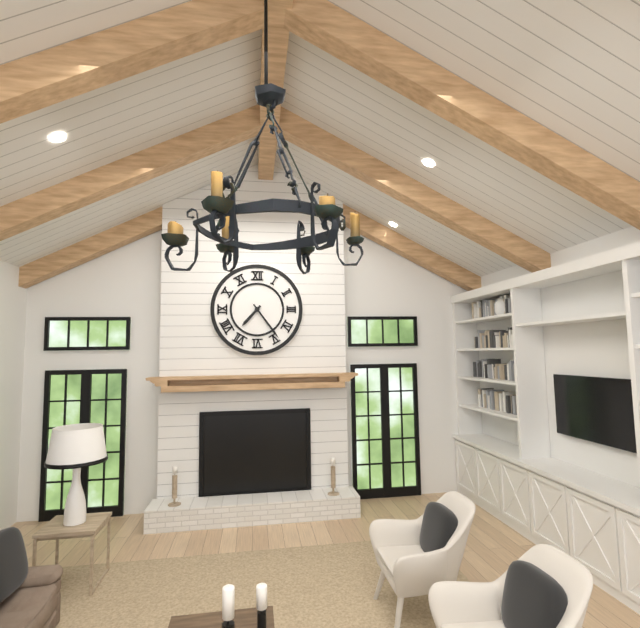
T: 7.24
